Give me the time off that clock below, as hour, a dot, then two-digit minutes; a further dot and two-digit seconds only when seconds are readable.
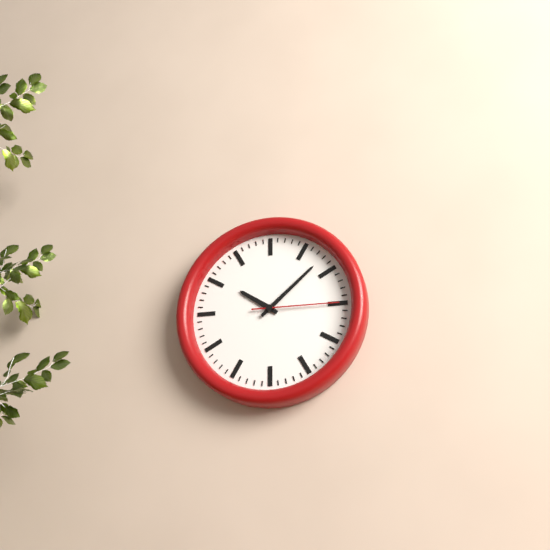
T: 10.08.15
